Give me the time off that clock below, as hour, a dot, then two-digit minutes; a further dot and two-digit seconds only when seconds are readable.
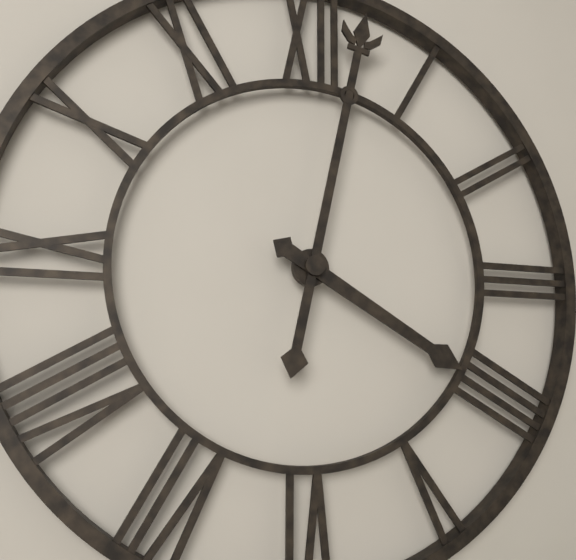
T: 4.02
